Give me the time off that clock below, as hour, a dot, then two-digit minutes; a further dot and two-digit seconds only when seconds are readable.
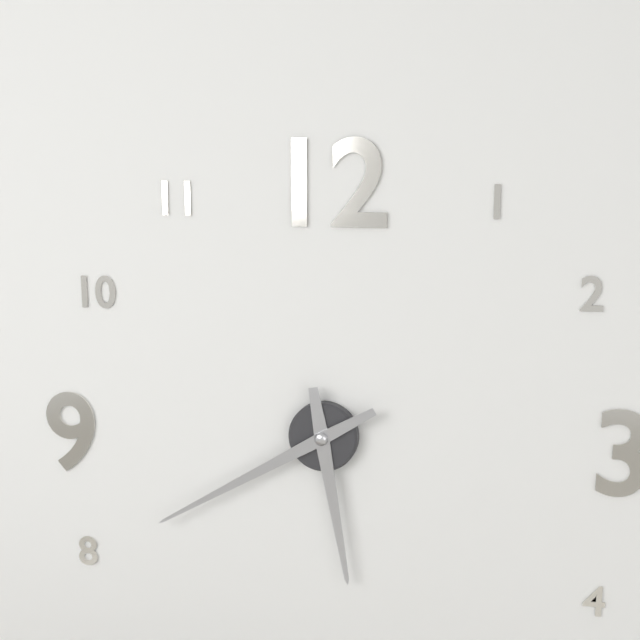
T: 5.40
